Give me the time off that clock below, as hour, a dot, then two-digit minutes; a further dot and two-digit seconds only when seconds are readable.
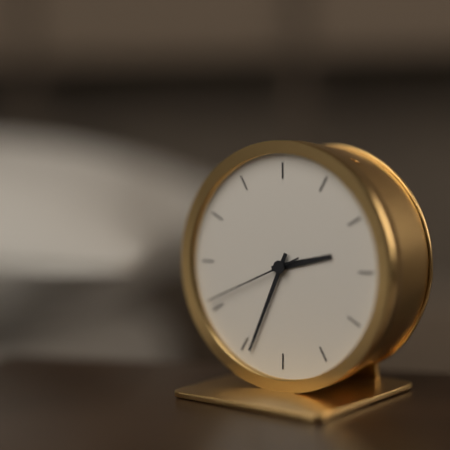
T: 2.34.41
